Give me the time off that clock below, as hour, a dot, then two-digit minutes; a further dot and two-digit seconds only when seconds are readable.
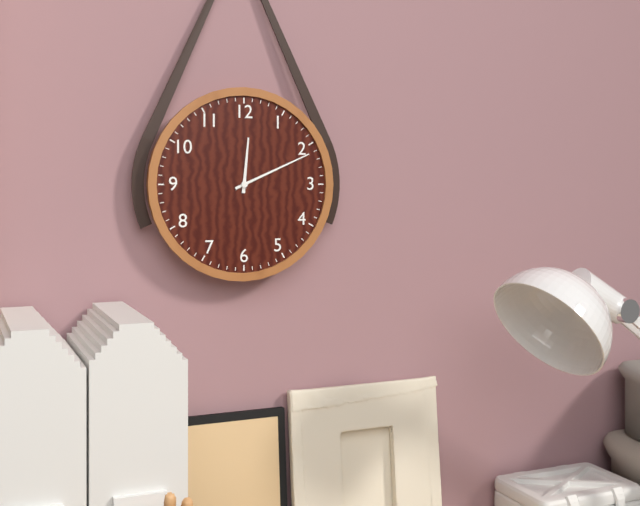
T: 12.11
